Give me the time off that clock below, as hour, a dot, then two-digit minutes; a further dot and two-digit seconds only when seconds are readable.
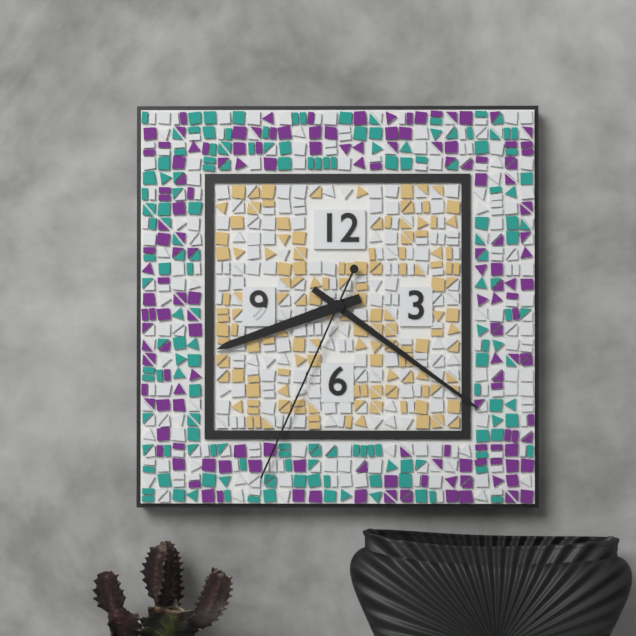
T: 8.21.34
